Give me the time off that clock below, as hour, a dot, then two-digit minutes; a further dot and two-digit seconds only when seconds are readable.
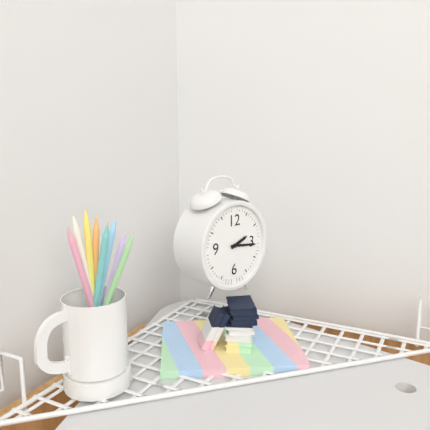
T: 2.16
